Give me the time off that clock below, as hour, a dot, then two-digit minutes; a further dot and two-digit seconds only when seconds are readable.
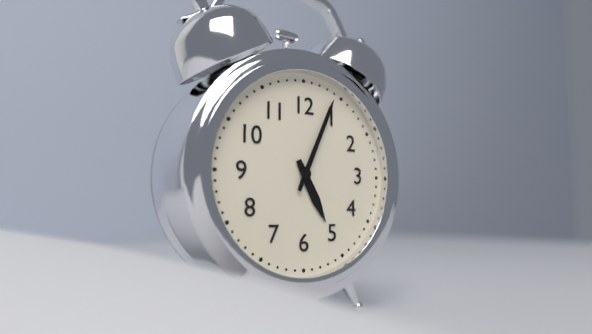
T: 5.04
